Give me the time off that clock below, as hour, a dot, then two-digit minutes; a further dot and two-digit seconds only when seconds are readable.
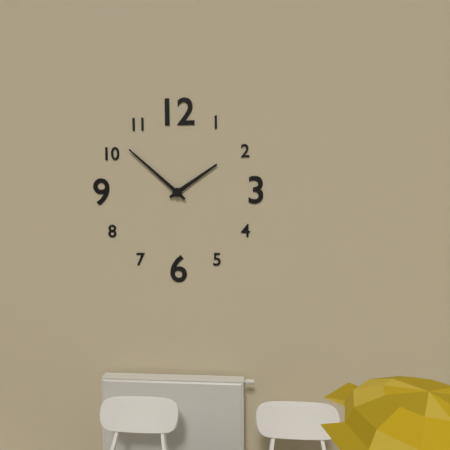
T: 1.52
